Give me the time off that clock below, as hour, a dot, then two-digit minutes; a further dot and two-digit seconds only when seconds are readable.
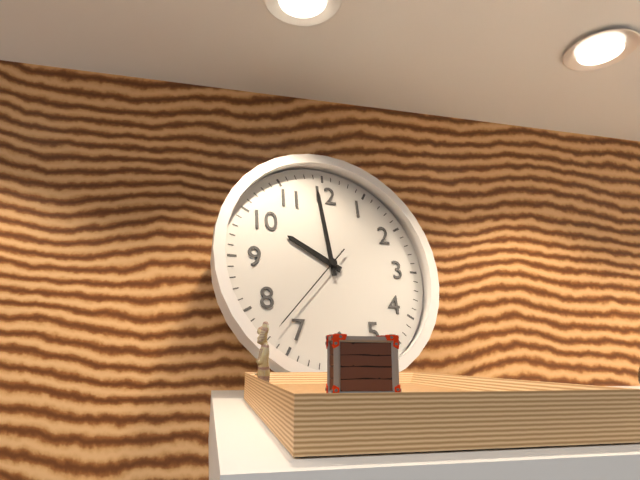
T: 9.59.37
